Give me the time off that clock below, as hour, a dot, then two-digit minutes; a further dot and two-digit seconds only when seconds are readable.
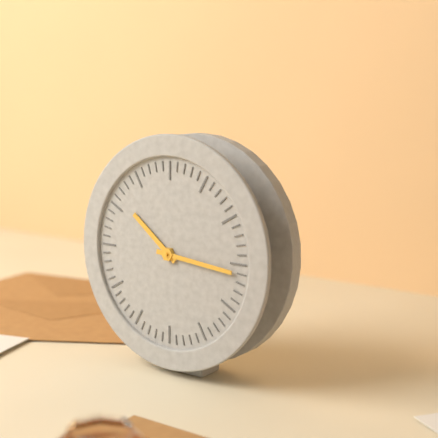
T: 10.16
